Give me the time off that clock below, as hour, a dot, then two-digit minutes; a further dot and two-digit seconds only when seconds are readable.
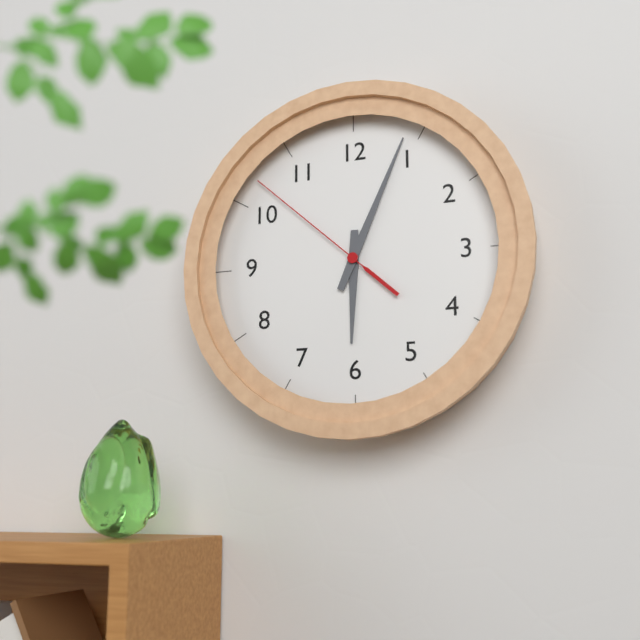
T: 6.04.52
